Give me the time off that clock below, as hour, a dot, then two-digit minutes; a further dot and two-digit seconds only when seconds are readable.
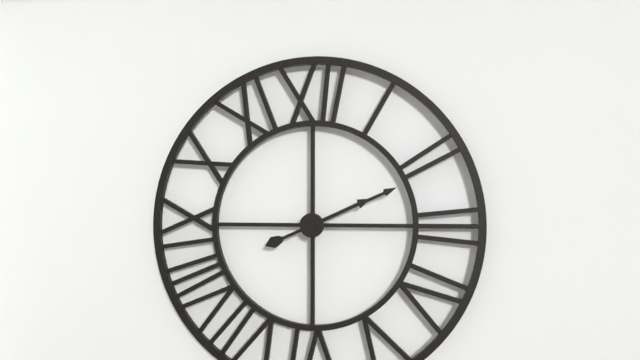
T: 2.11
